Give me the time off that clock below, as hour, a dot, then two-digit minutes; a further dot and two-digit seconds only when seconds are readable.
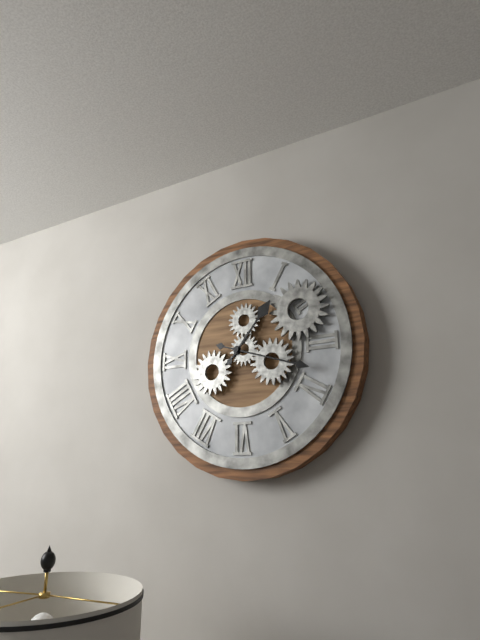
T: 1.18
